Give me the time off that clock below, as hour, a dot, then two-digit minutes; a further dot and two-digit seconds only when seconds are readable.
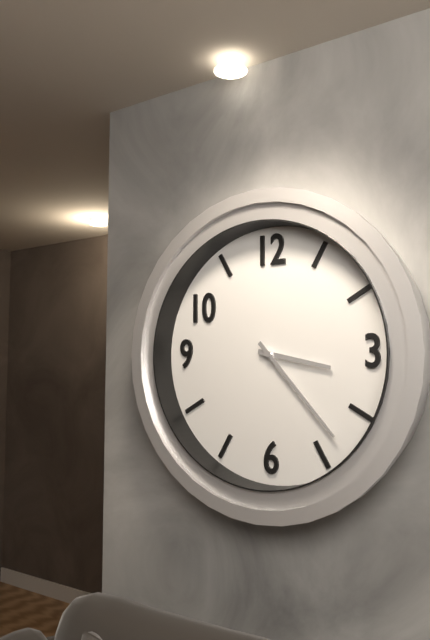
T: 3.23
